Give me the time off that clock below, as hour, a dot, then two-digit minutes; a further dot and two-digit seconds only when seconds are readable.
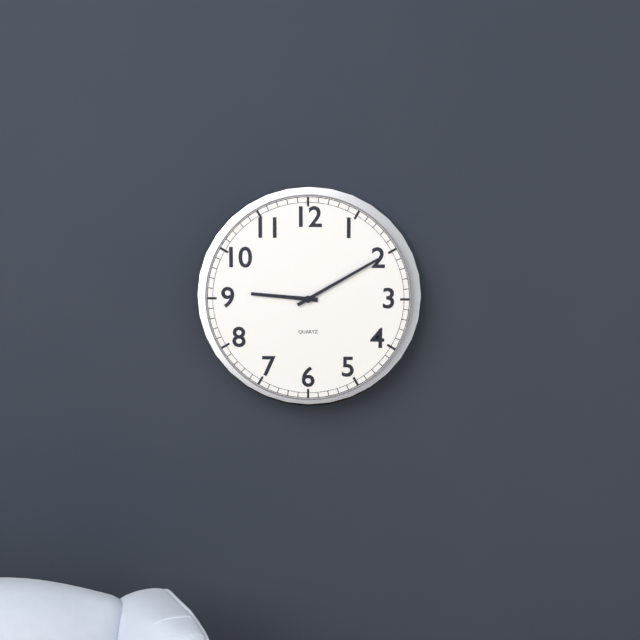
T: 9.10
